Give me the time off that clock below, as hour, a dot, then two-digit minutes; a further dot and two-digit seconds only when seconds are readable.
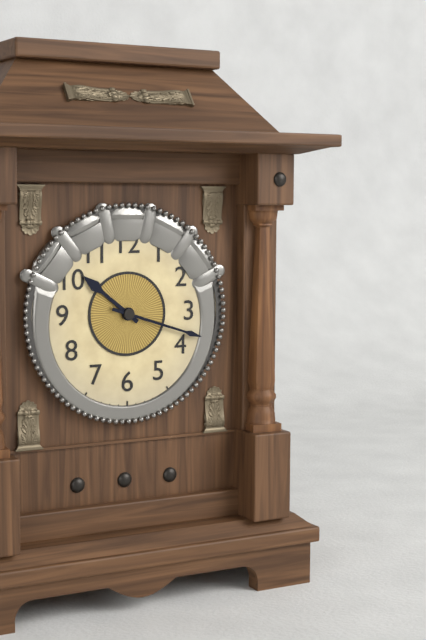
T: 10.18
